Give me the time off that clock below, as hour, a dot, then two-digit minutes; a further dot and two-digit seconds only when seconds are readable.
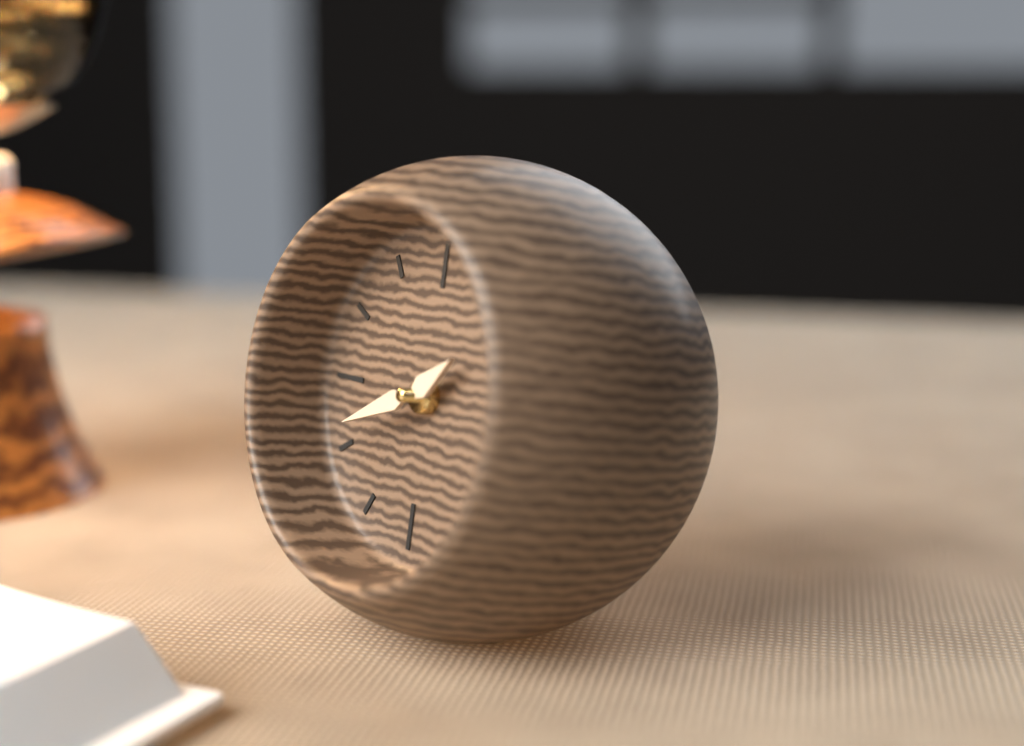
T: 1.41
